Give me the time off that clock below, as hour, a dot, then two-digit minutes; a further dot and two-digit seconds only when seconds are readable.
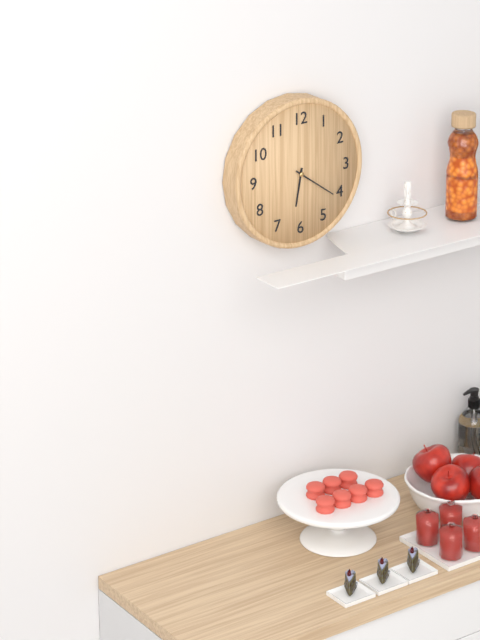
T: 6.21
